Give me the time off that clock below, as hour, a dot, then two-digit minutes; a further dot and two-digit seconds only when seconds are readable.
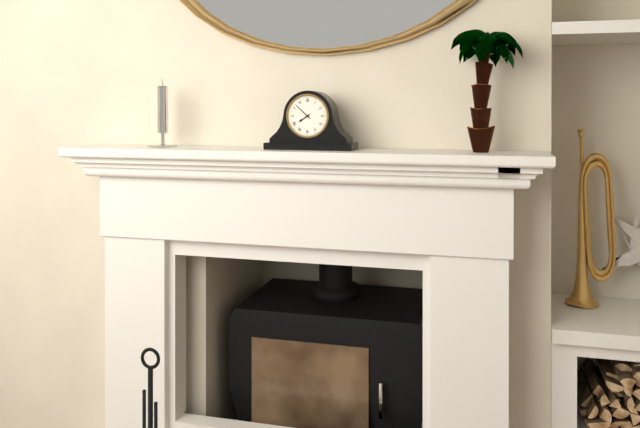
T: 7.52
